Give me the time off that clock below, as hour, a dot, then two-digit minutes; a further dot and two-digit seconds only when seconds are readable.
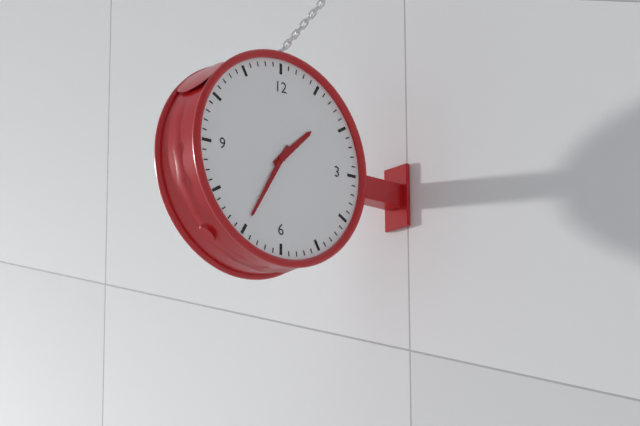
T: 1.35
